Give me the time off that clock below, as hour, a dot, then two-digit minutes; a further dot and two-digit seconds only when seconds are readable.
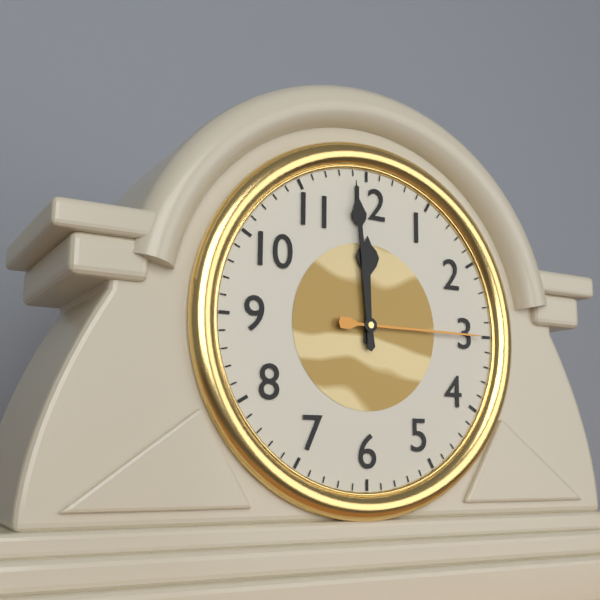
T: 11.59.15
